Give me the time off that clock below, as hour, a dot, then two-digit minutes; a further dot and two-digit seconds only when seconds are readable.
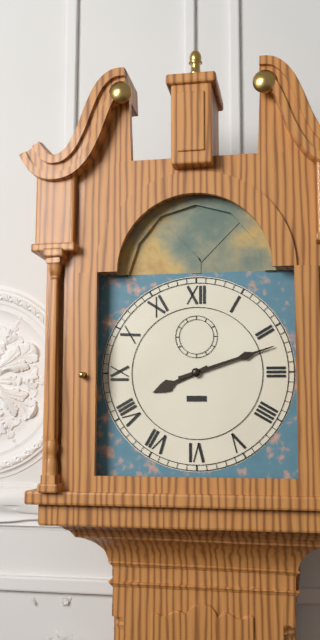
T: 8.12
